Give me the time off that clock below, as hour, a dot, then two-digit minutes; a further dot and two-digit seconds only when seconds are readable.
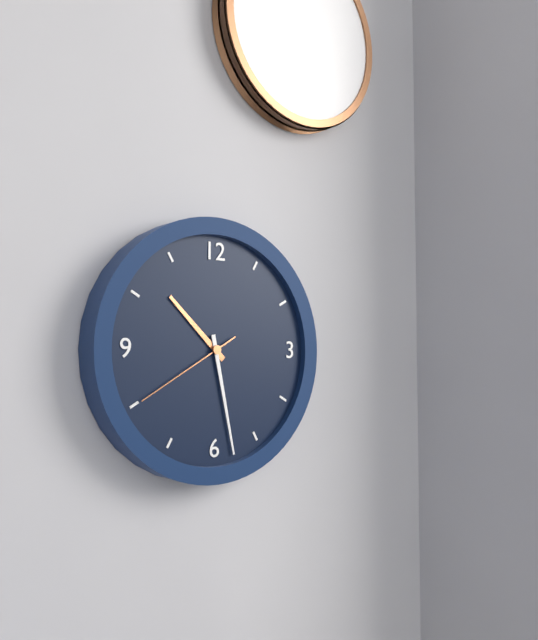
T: 10.28.40
